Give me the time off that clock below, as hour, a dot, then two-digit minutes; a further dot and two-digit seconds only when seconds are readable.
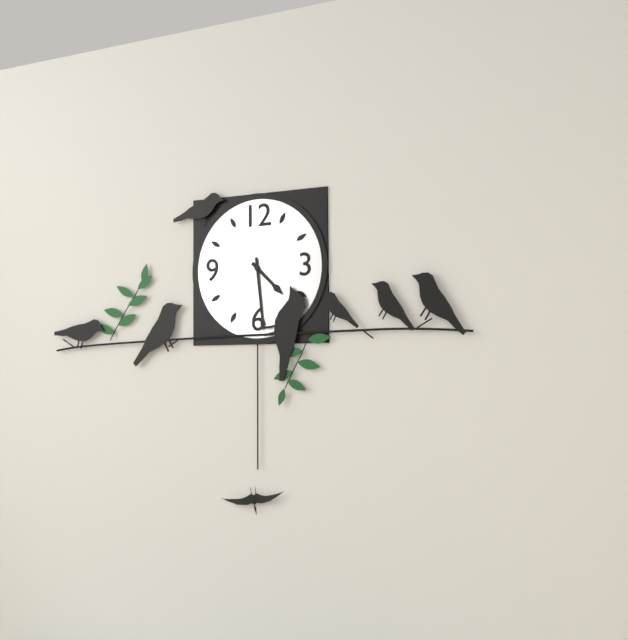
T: 4.29
